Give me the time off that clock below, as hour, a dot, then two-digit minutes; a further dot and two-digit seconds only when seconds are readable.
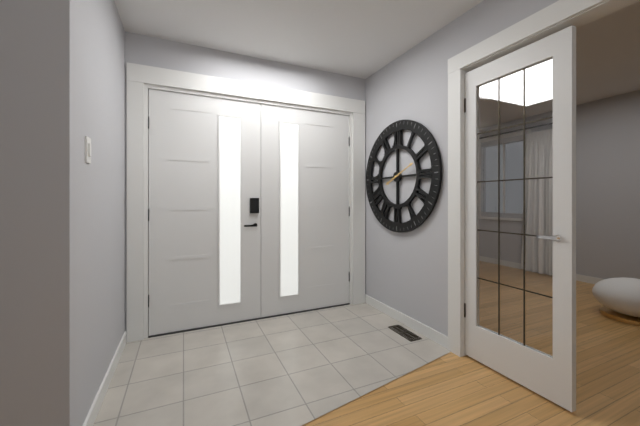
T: 8.11
